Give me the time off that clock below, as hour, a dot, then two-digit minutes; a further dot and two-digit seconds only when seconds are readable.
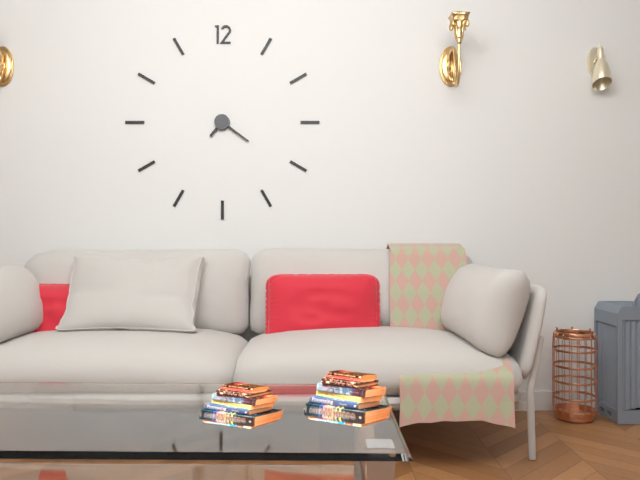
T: 7.21
